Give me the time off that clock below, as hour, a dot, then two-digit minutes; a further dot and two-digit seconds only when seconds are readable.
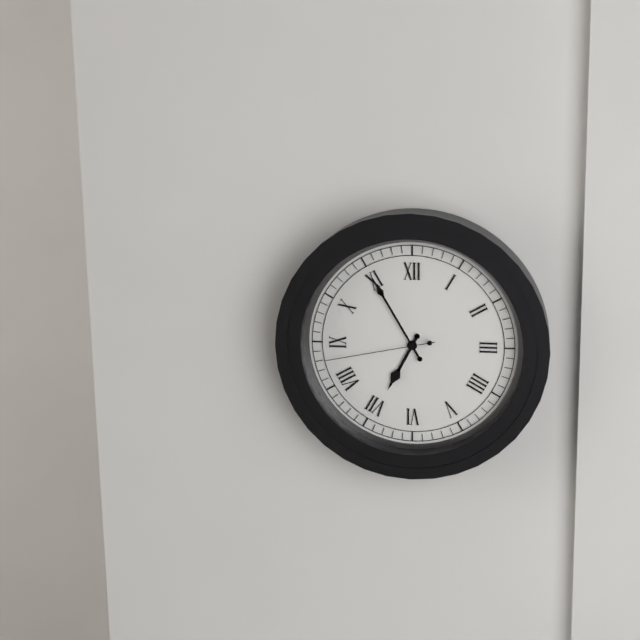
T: 6.55.43
